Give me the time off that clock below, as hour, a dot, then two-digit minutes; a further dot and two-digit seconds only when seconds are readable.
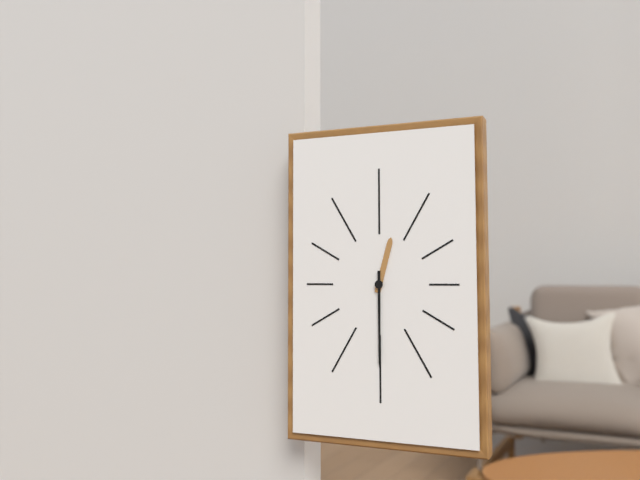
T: 12.30
